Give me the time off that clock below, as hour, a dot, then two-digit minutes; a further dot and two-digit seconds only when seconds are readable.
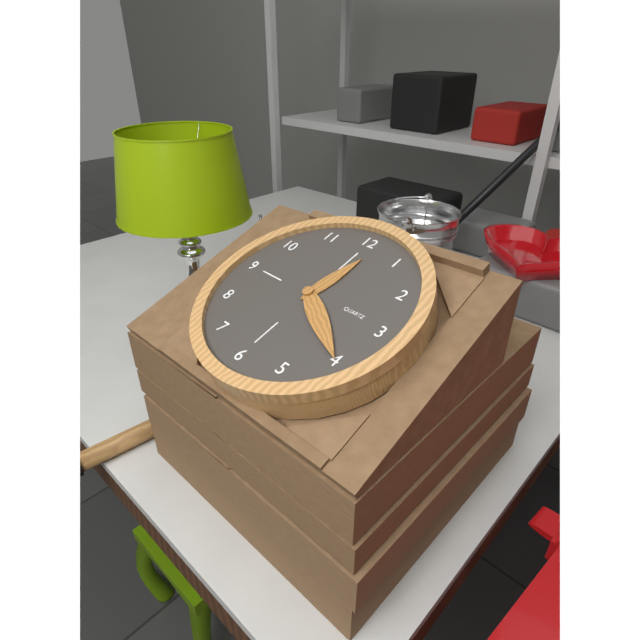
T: 12.20
